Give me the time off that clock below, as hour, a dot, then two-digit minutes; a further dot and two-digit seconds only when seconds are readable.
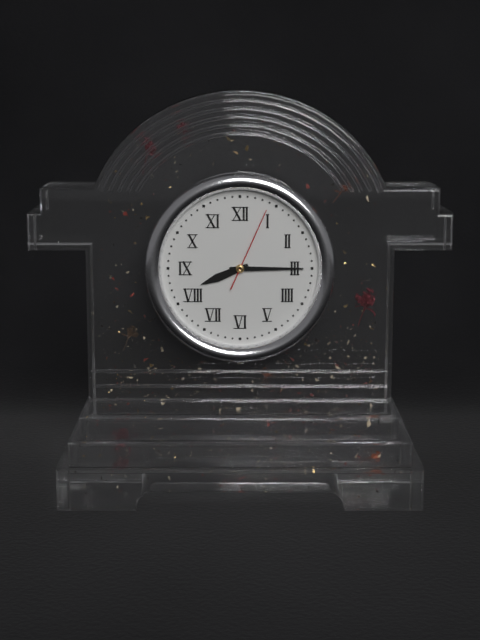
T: 8.15.04
